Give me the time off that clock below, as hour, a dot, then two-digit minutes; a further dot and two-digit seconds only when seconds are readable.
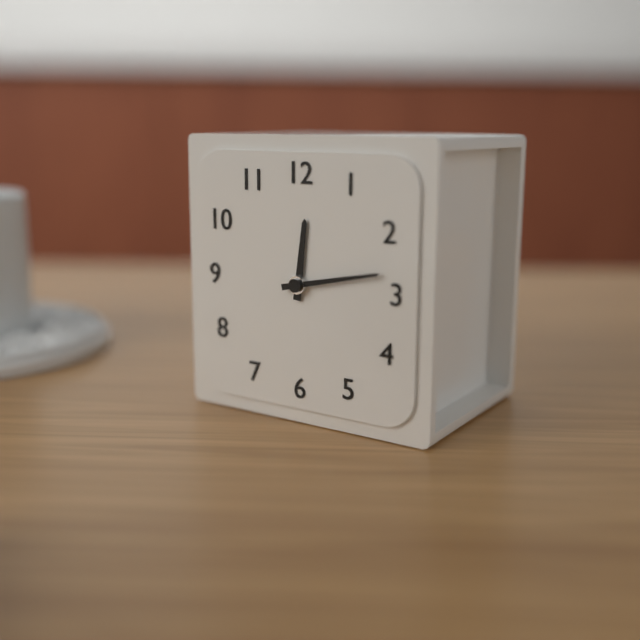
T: 12.13
